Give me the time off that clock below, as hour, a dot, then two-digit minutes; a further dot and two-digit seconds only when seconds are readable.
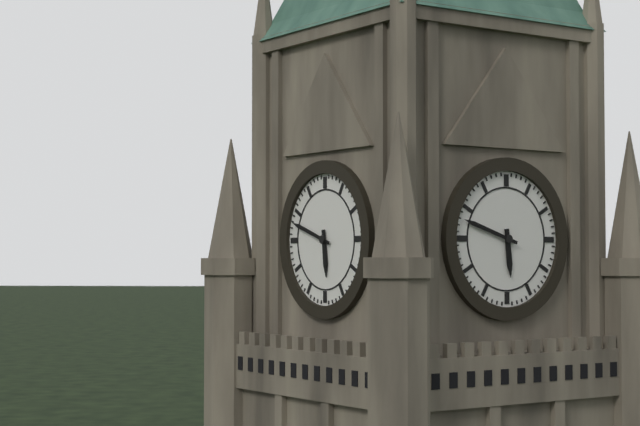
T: 5.48
